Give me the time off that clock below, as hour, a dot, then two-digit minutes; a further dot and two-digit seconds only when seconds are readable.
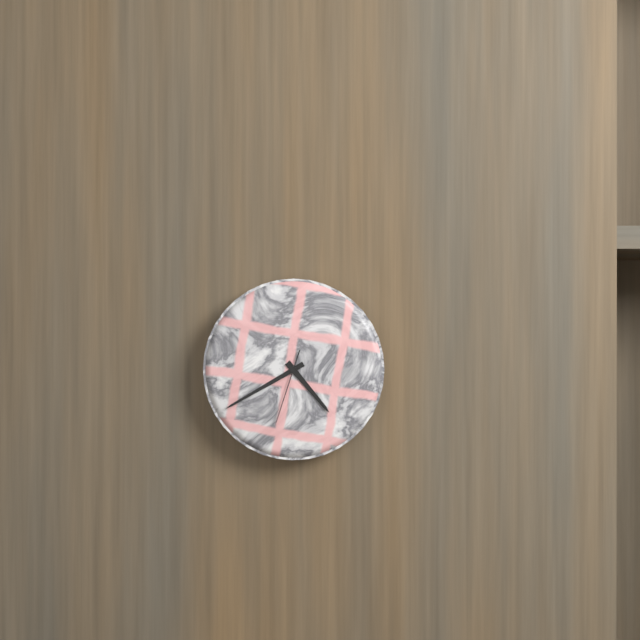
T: 4.40.33
